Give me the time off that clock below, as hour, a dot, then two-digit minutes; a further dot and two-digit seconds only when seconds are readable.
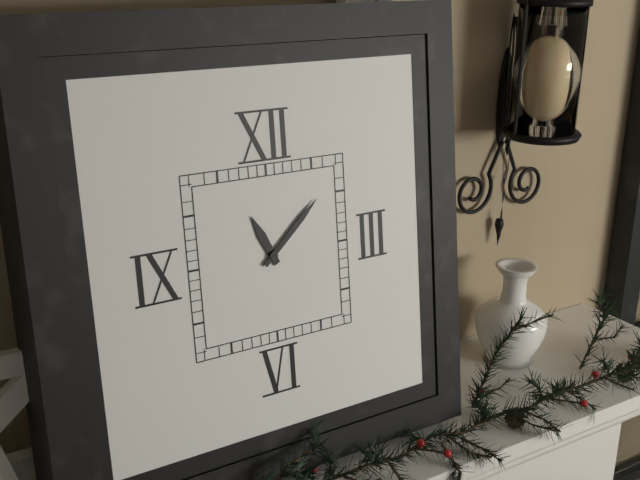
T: 11.08
